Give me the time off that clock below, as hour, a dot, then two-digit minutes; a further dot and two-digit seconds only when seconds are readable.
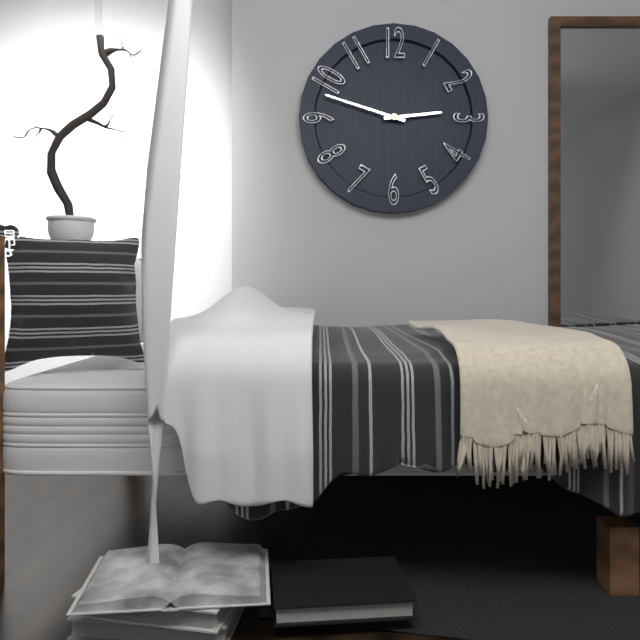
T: 2.48
